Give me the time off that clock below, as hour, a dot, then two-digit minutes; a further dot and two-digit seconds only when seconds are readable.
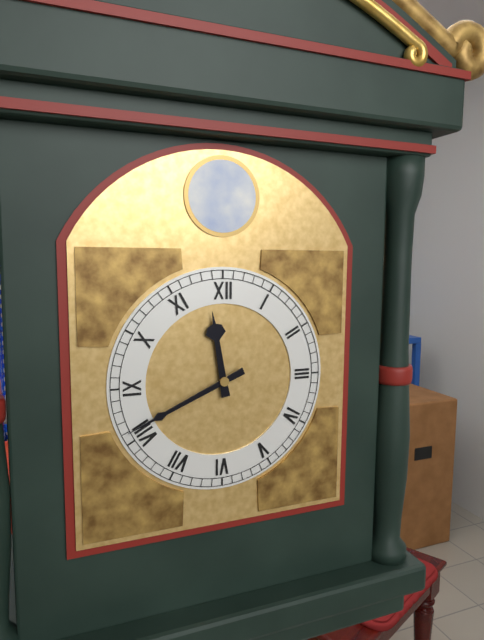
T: 11.41
